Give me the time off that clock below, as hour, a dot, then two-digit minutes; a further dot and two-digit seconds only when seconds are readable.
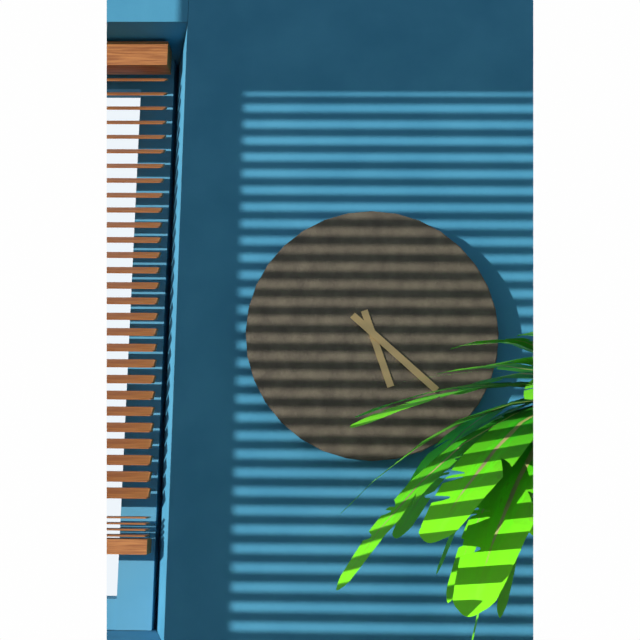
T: 5.22
